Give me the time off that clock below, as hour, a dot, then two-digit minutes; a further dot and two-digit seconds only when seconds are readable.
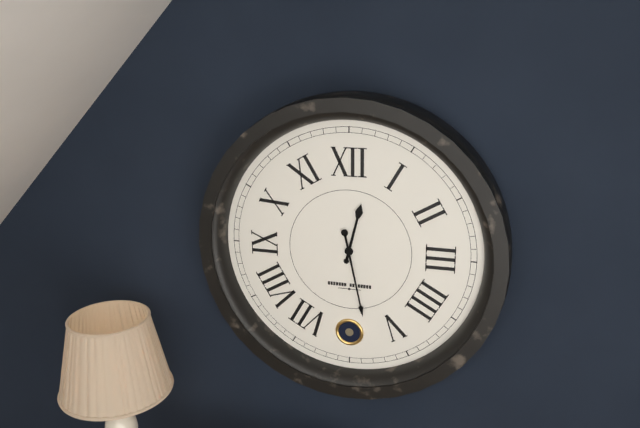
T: 12.28
